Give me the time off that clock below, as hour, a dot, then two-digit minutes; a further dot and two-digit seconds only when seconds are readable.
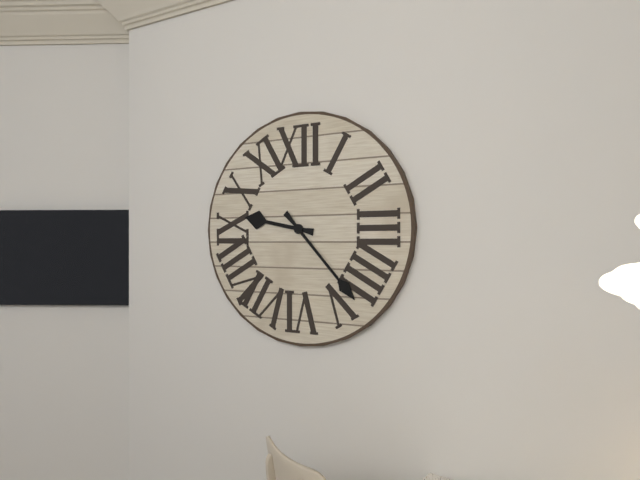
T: 9.23
